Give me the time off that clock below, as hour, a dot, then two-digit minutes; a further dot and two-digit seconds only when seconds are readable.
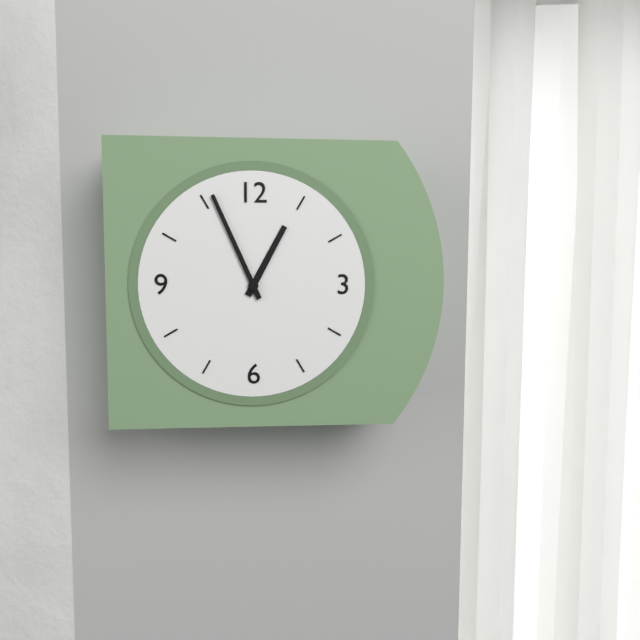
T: 12.56
